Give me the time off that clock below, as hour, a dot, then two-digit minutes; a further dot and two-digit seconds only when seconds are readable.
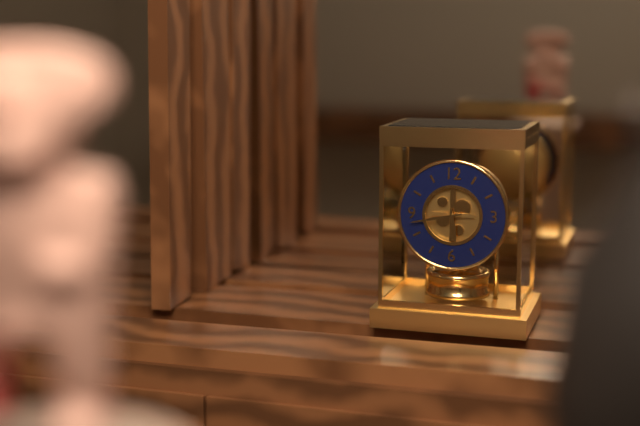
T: 5.43
